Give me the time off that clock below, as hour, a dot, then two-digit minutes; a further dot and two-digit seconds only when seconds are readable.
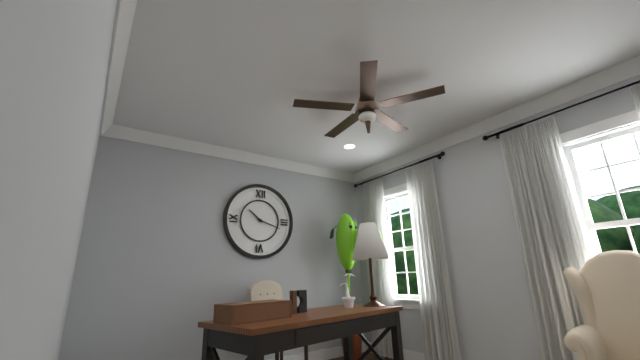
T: 10.18
